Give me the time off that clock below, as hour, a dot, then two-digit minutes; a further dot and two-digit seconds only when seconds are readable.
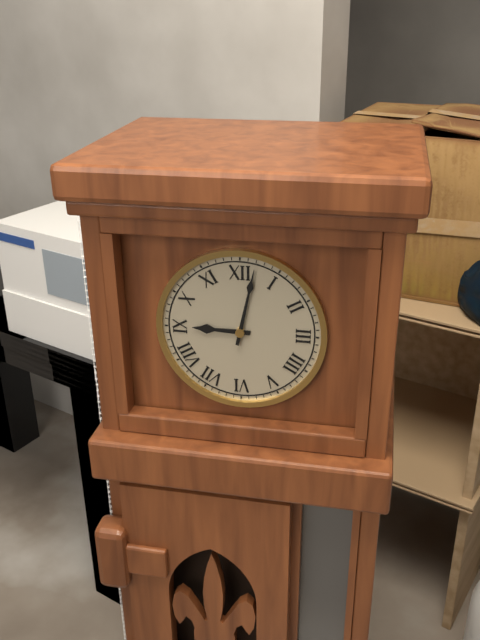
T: 9.02
